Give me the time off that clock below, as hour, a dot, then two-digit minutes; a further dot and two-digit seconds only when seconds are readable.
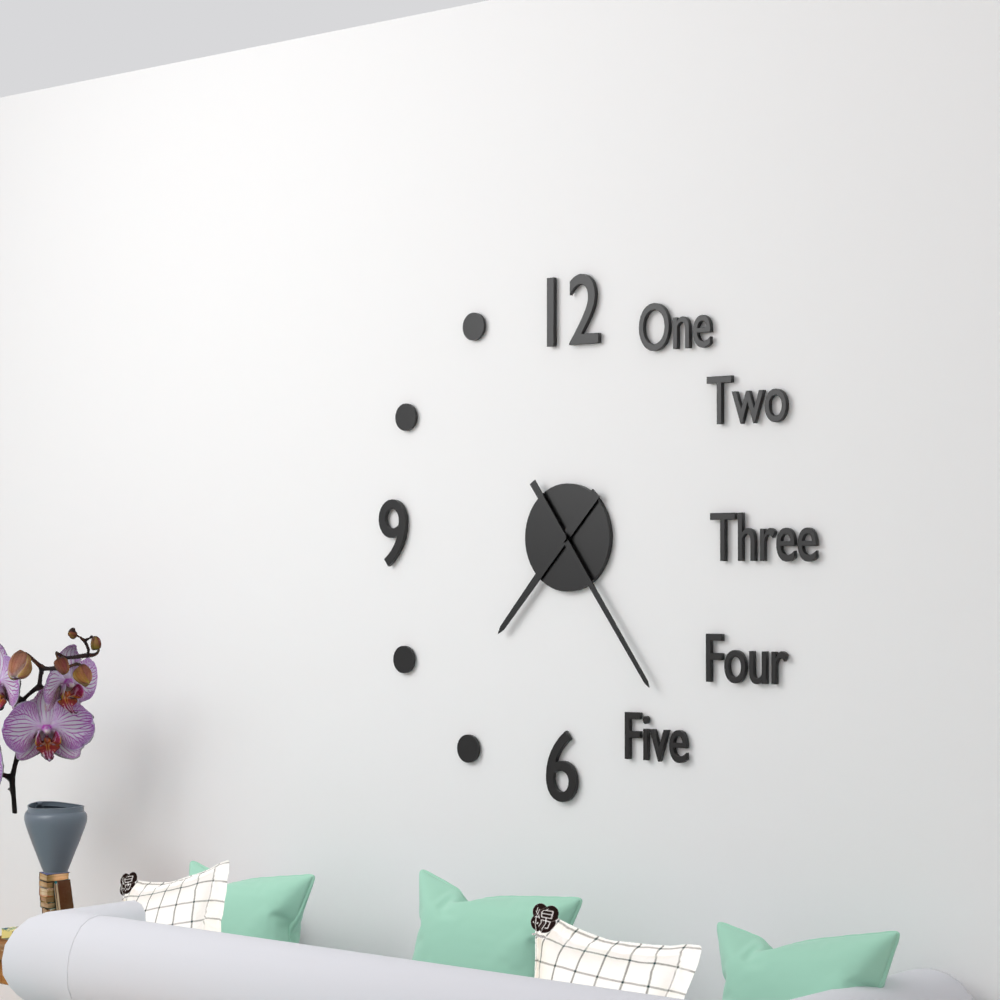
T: 7.24
